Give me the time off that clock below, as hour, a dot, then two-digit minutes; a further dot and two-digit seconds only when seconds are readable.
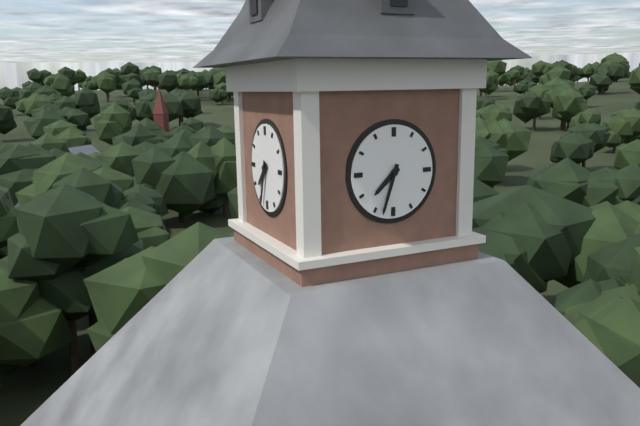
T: 7.33
